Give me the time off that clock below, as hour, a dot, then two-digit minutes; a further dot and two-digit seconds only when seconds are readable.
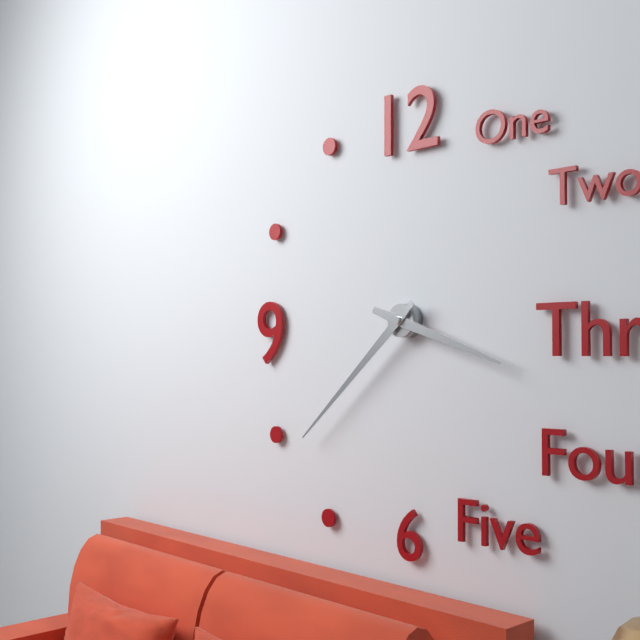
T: 3.38
